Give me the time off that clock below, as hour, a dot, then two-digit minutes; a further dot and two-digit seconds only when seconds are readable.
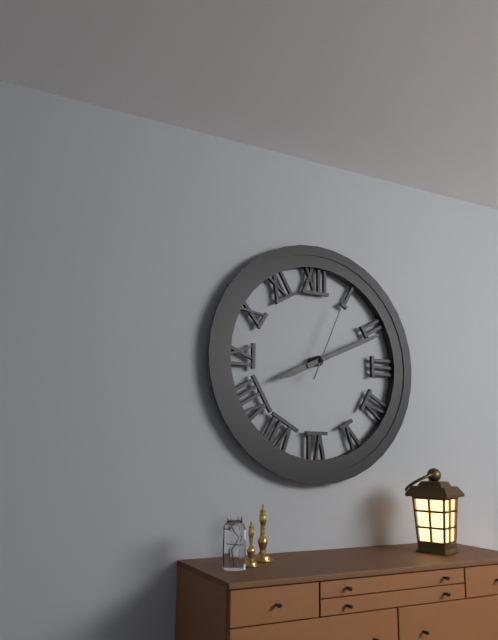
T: 8.11.04
